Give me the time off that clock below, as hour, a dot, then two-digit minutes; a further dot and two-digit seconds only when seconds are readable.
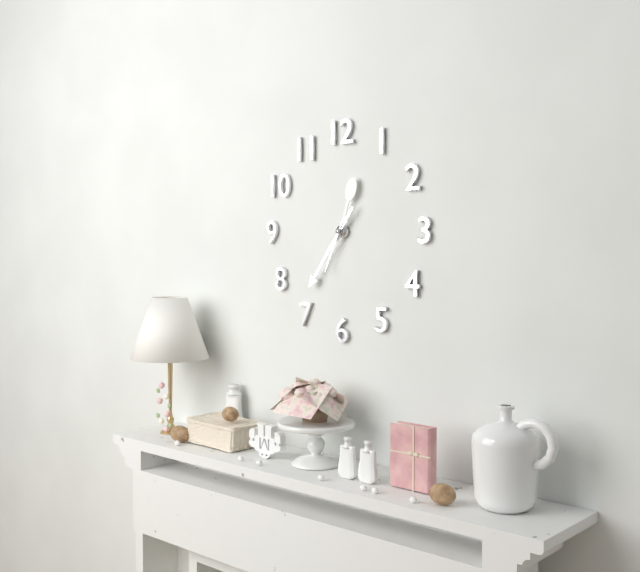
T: 12.36.34
